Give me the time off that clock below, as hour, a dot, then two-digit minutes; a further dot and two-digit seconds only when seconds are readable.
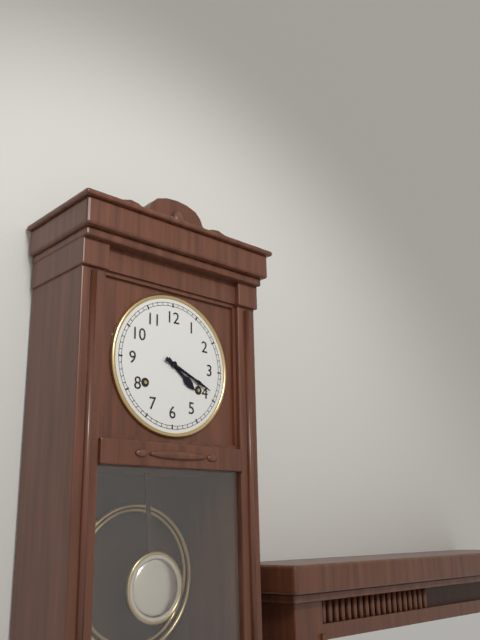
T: 4.19
